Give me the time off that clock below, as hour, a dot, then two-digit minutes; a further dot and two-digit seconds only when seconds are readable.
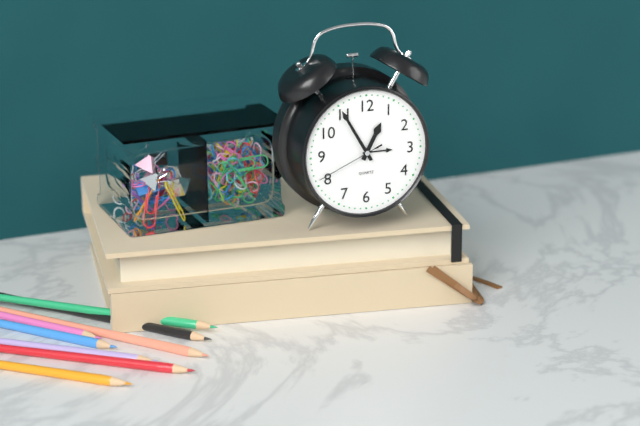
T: 12.55.41
